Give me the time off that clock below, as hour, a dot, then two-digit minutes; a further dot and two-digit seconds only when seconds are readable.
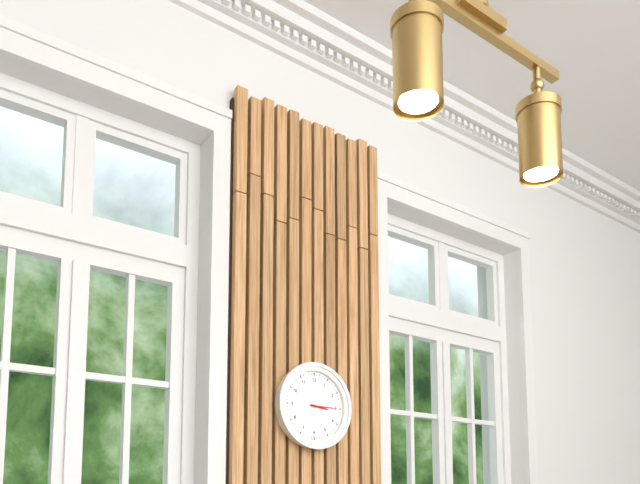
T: 3.15
